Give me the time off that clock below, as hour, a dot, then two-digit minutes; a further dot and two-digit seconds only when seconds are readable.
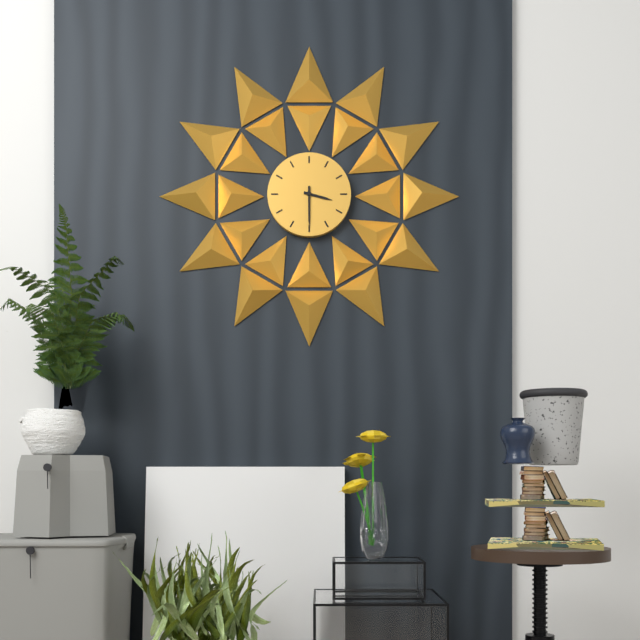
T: 3.30
